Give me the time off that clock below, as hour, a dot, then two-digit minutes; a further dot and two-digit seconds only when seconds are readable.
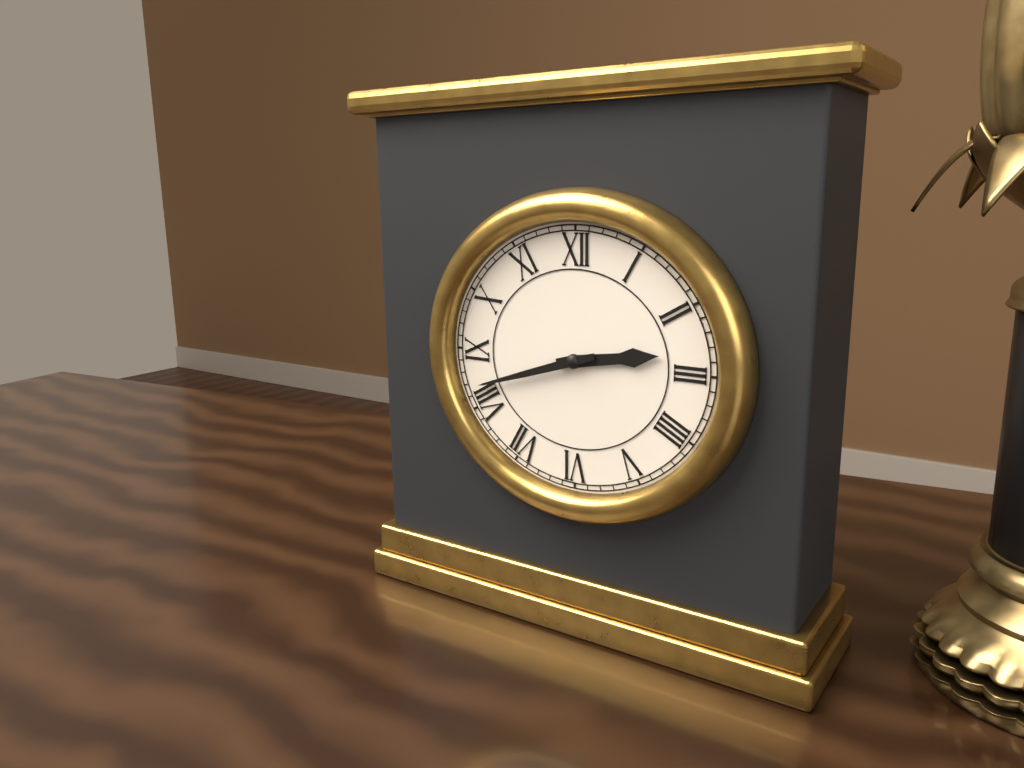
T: 2.42
